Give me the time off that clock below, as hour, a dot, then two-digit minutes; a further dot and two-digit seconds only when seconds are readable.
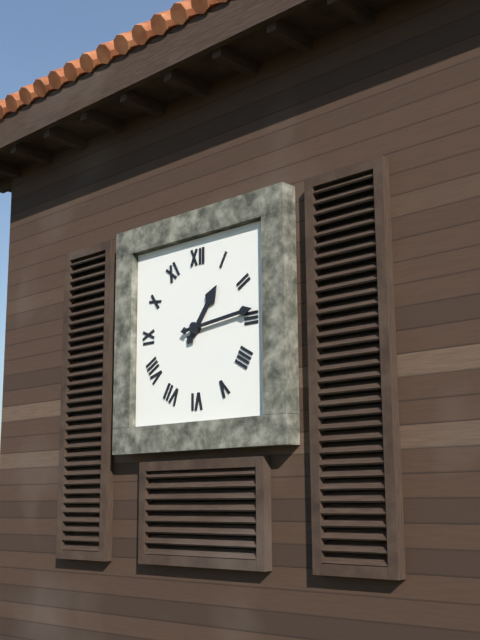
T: 1.14
